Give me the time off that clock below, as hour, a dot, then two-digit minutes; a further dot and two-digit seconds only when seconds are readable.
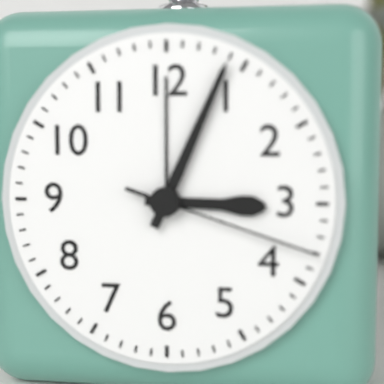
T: 3.04.18
